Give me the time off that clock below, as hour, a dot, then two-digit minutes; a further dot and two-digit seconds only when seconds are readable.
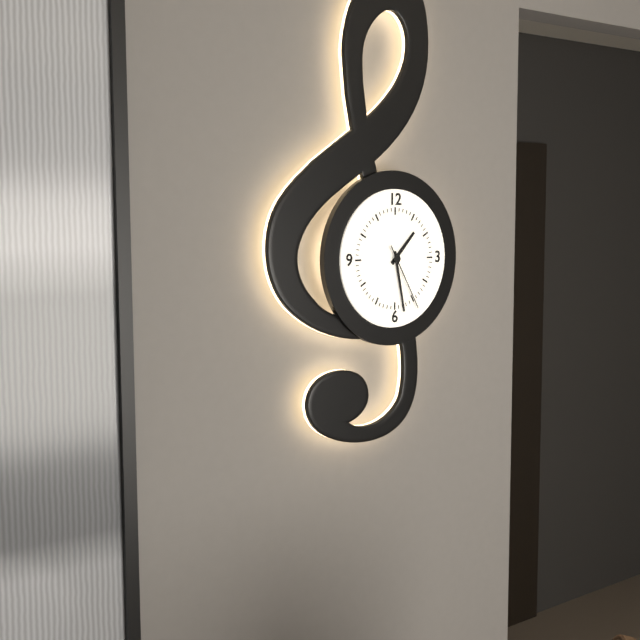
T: 1.28.25
